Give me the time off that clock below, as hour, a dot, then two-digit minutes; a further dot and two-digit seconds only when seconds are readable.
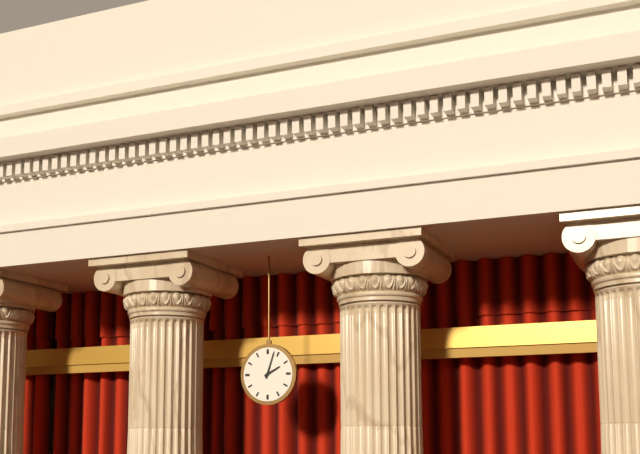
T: 2.03
